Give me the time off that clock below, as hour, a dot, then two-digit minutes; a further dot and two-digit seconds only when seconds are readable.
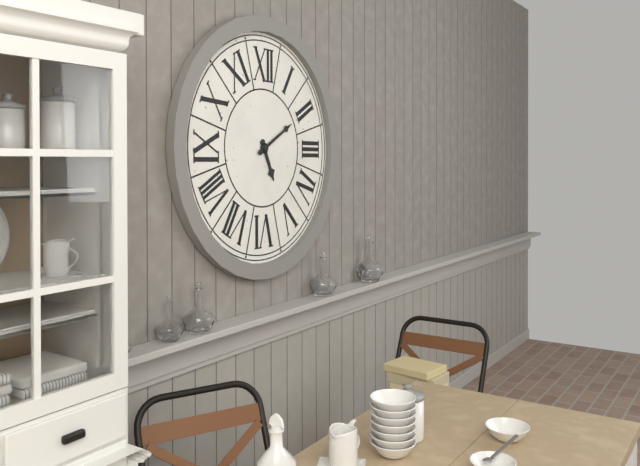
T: 5.10
